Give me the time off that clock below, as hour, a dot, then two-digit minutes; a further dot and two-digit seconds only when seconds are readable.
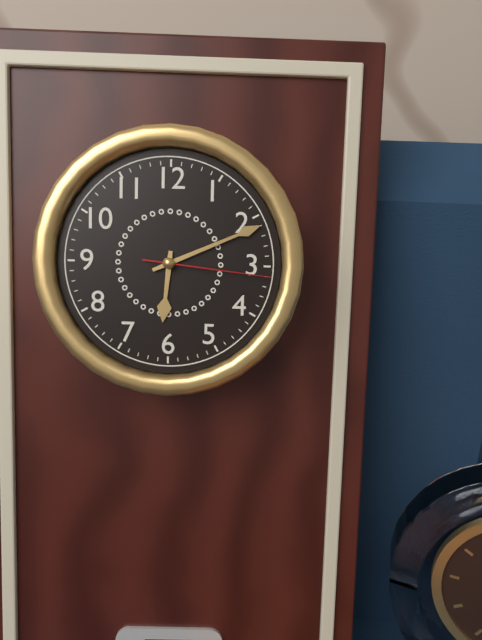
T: 6.11.16
